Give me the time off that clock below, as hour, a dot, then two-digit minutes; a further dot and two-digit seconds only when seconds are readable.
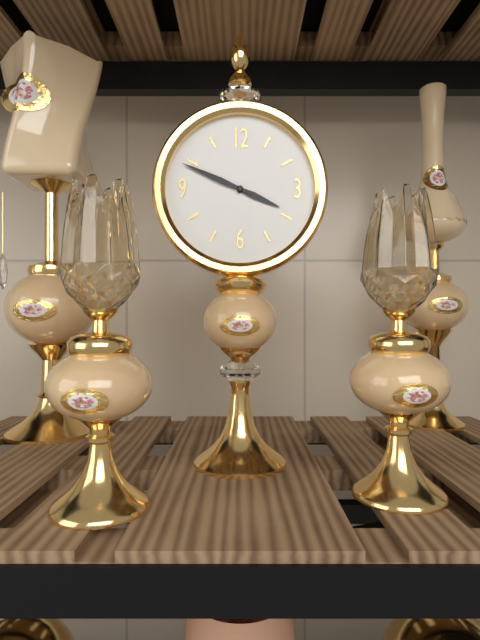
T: 3.49
